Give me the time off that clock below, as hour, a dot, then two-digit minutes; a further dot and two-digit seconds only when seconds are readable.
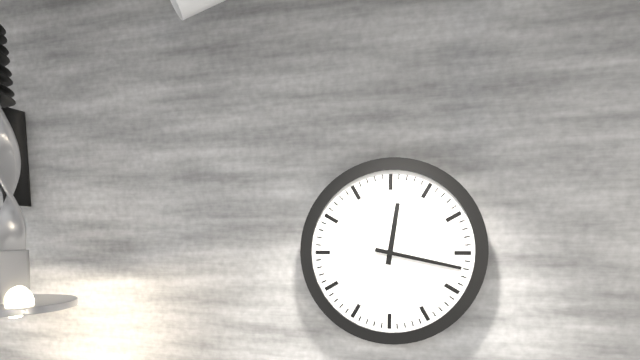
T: 12.17
